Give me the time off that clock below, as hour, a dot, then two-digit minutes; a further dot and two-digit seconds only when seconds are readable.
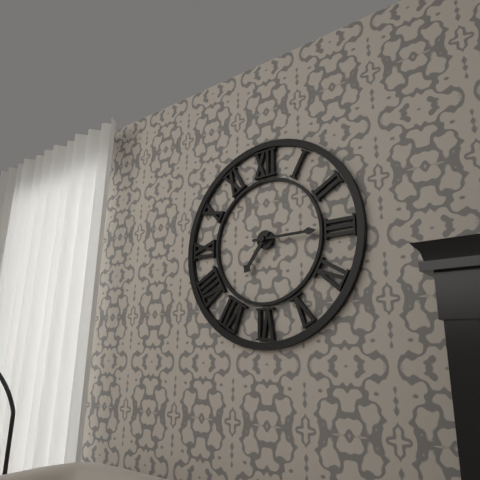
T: 7.15
